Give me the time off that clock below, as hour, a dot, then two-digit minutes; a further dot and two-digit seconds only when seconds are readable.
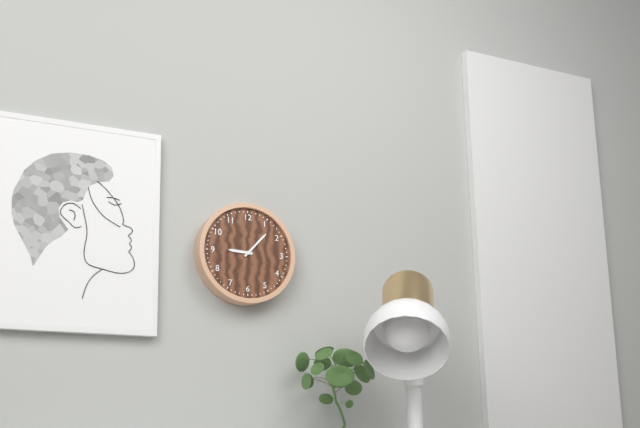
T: 9.07
